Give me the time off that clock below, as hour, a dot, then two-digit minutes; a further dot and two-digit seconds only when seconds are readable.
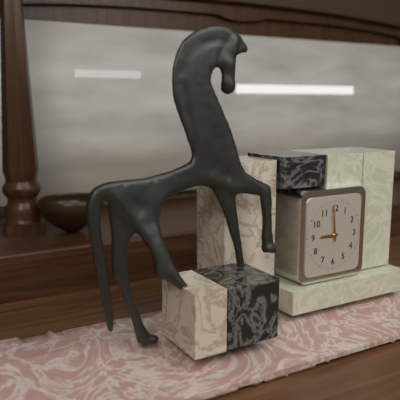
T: 8.59
